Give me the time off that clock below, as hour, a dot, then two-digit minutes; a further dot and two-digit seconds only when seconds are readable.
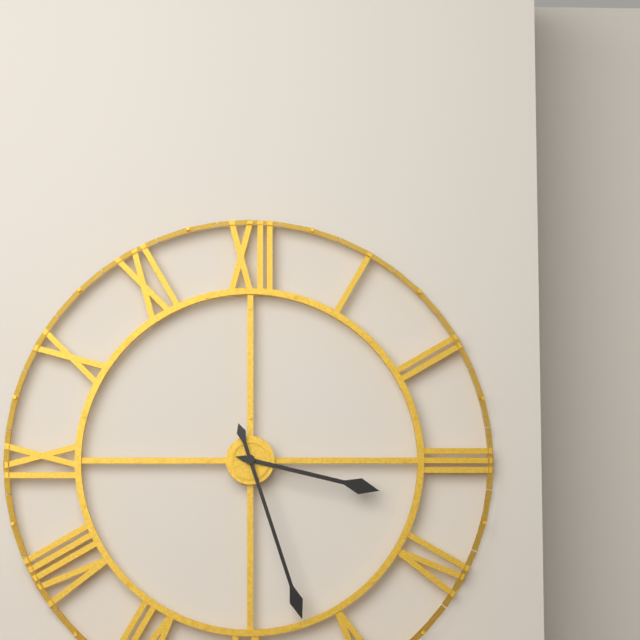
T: 3.27
